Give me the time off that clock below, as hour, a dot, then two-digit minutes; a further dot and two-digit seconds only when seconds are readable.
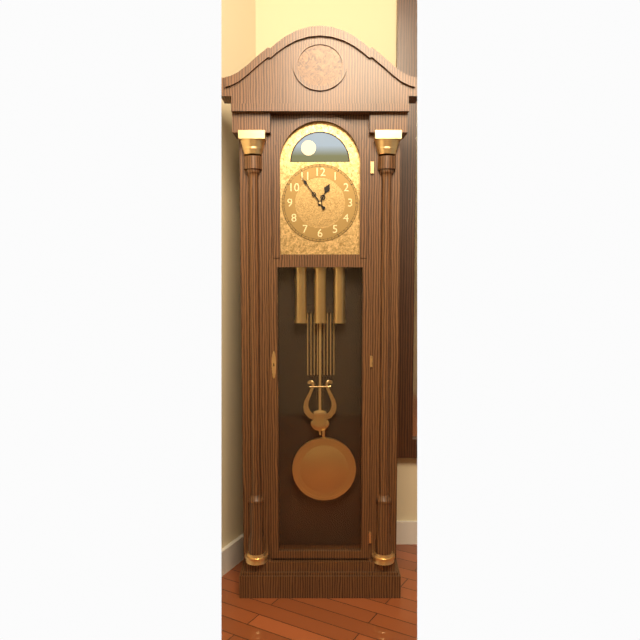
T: 12.54
